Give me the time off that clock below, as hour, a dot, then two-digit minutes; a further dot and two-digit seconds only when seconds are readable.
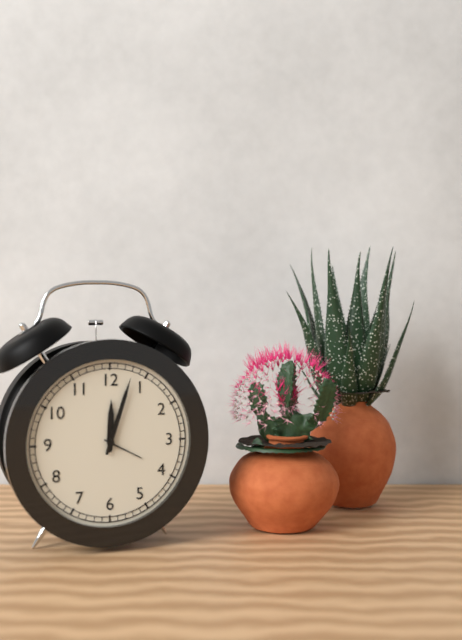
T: 12.03
